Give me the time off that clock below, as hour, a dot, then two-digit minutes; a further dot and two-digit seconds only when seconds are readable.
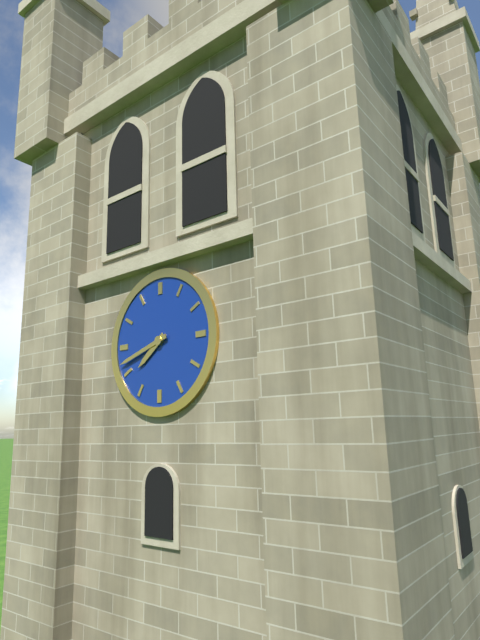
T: 7.42
